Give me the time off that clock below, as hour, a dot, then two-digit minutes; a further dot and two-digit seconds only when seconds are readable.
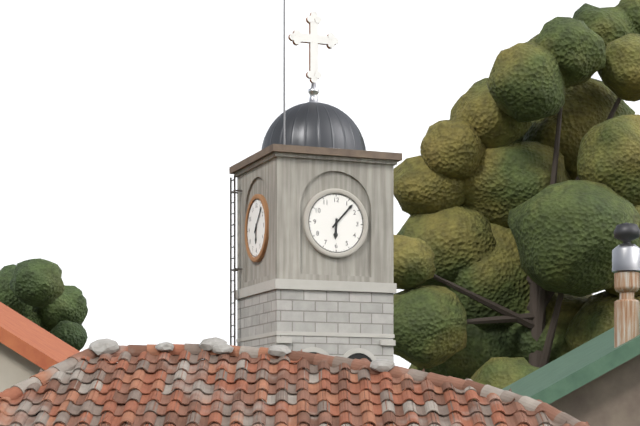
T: 6.07
